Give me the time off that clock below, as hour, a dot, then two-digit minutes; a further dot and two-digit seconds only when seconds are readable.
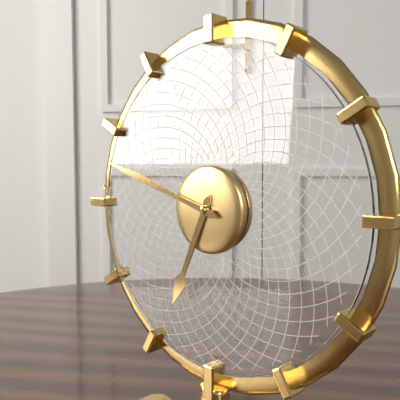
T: 6.48
